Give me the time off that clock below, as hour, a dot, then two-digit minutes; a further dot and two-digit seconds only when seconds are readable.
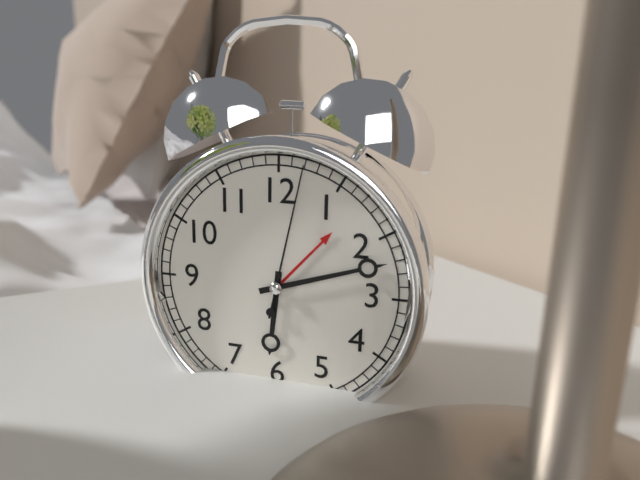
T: 6.12.02
